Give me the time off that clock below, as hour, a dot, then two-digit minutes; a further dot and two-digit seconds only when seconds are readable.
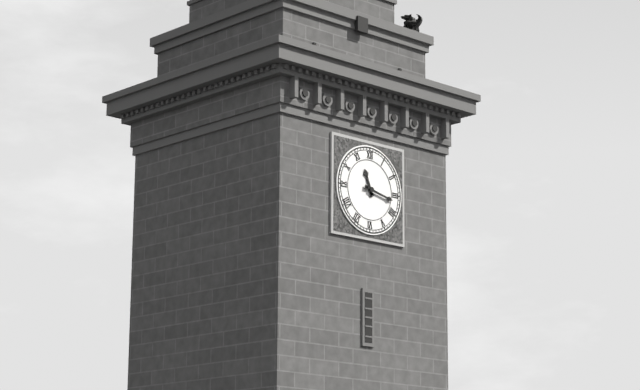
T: 11.17
